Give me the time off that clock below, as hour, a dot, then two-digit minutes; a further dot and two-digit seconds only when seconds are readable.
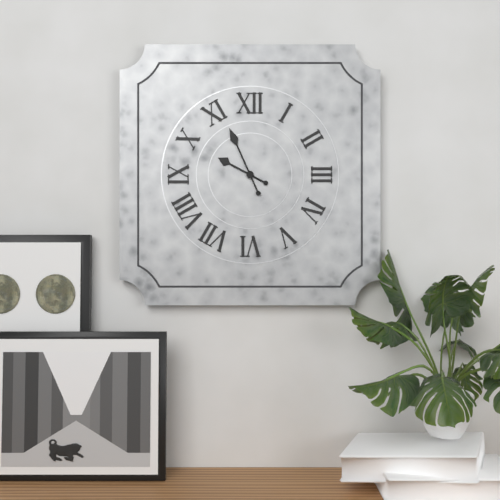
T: 9.56
